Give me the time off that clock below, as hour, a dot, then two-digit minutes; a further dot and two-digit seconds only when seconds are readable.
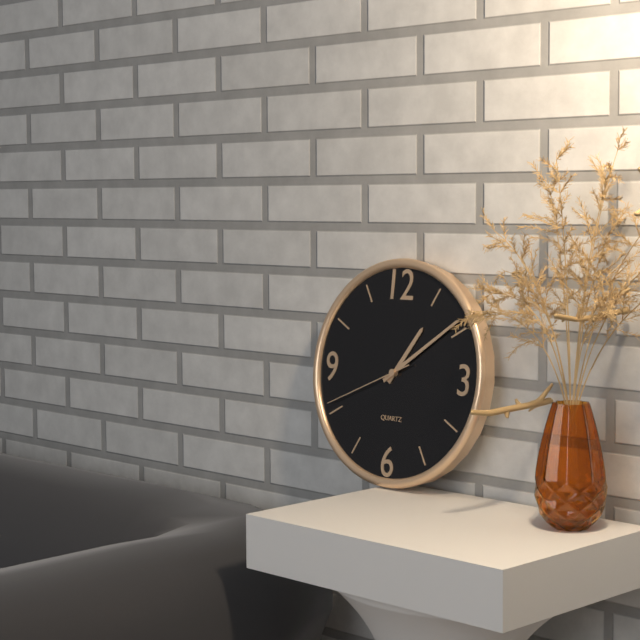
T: 1.09.41
